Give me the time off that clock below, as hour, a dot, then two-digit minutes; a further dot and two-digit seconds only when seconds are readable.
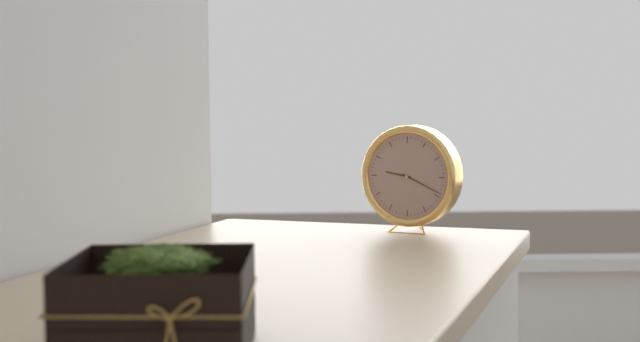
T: 9.19
